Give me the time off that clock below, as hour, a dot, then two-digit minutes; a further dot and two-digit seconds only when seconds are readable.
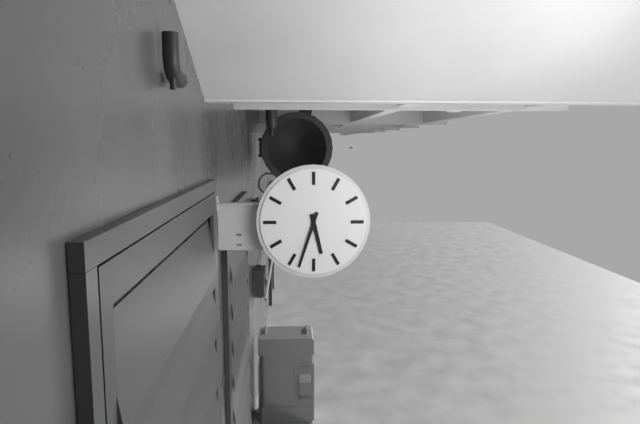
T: 5.33
